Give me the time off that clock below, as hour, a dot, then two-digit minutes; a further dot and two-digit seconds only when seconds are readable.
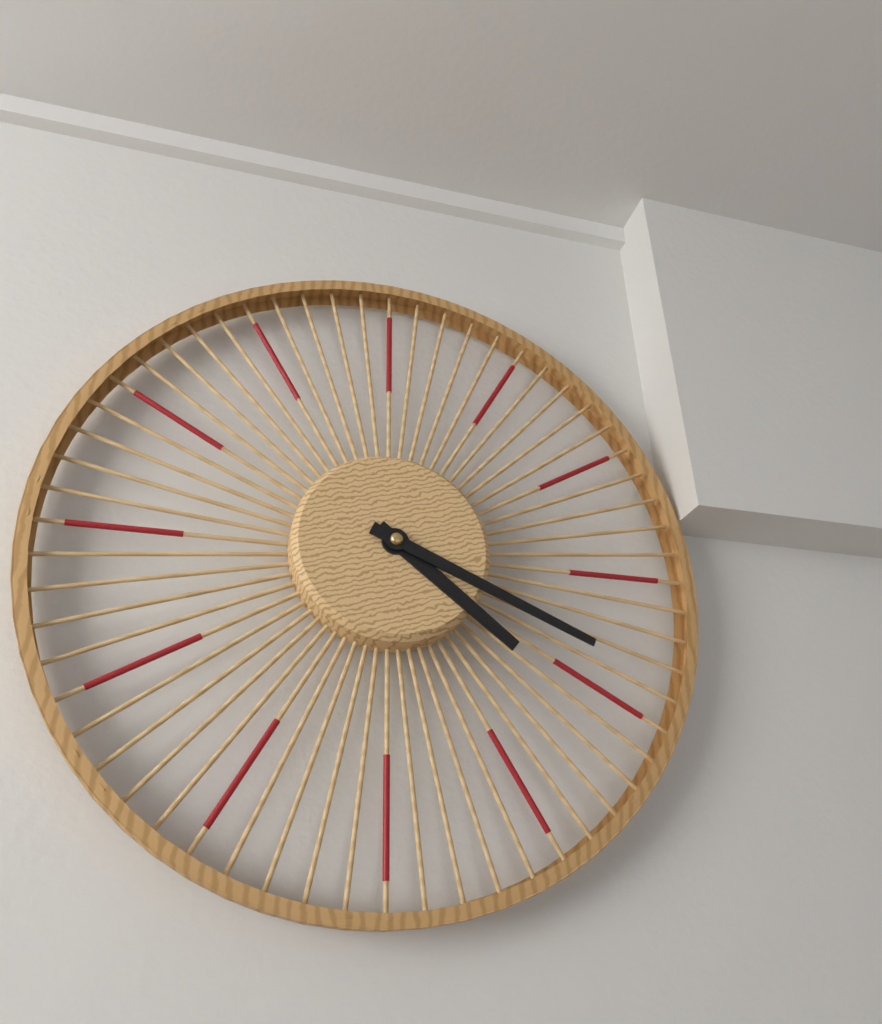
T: 4.19
